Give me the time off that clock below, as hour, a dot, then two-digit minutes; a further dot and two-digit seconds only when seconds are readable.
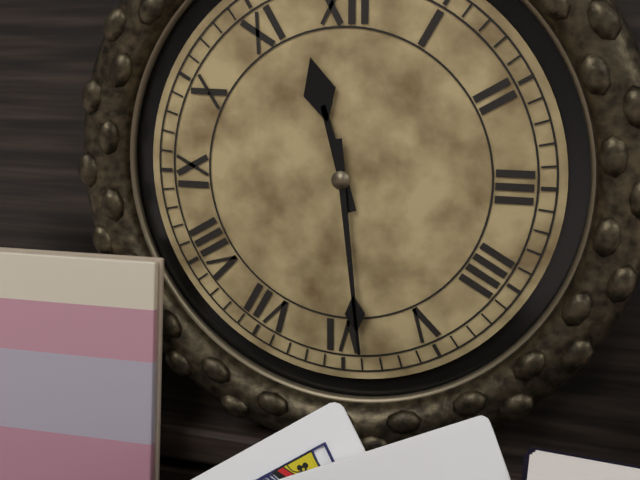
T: 11.29
